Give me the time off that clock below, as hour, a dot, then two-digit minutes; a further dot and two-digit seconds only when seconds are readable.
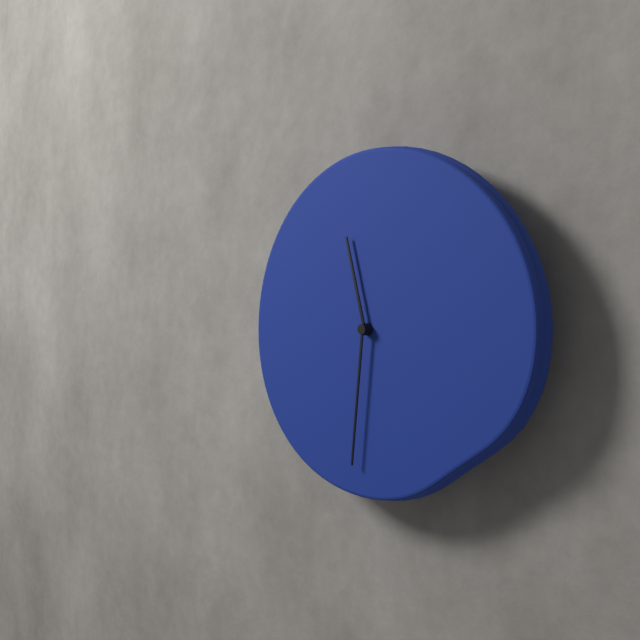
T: 11.31
